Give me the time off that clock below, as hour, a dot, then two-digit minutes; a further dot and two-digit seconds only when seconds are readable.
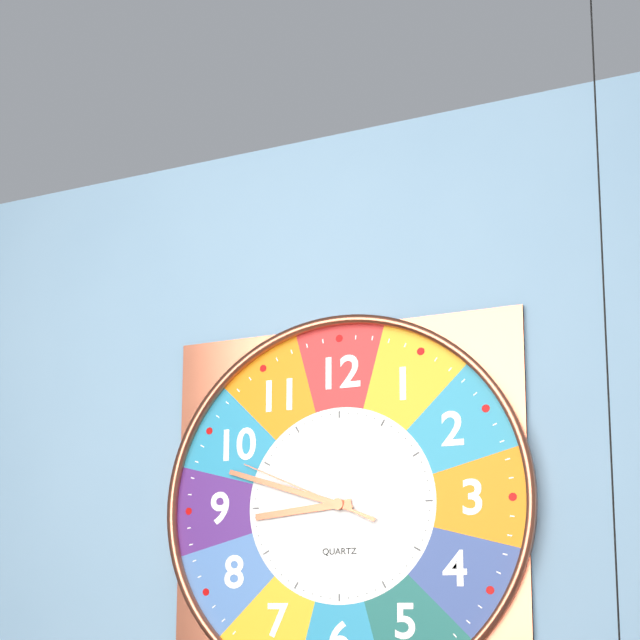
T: 8.48.49
